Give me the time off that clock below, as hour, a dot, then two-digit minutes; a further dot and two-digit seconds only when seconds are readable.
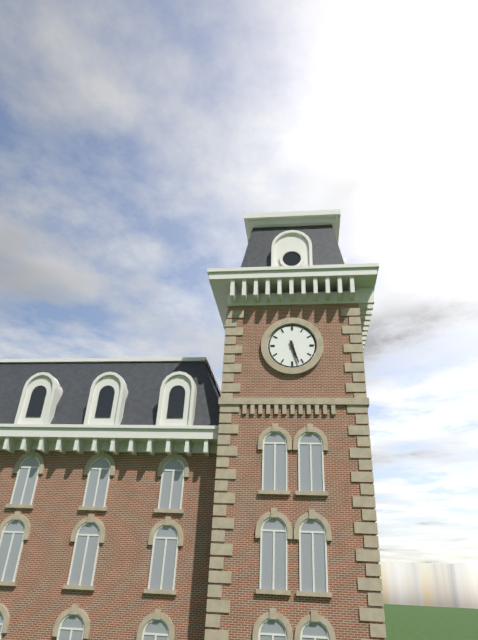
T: 5.27
